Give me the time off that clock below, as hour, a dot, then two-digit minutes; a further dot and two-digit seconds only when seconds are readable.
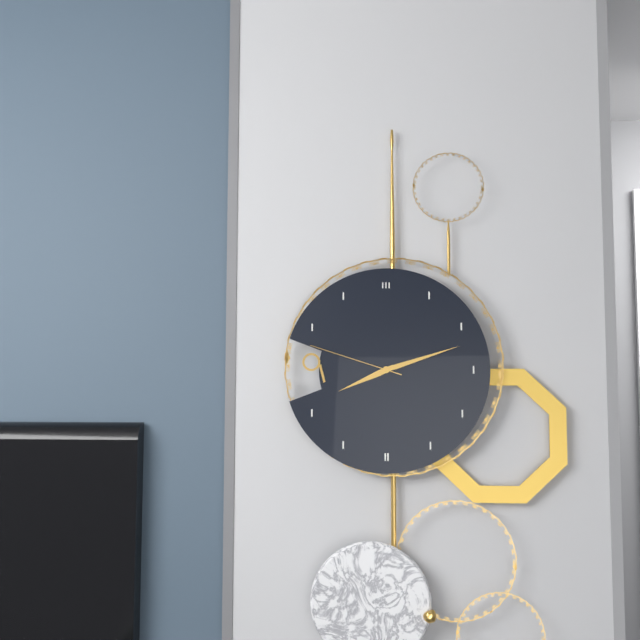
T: 8.12.48
